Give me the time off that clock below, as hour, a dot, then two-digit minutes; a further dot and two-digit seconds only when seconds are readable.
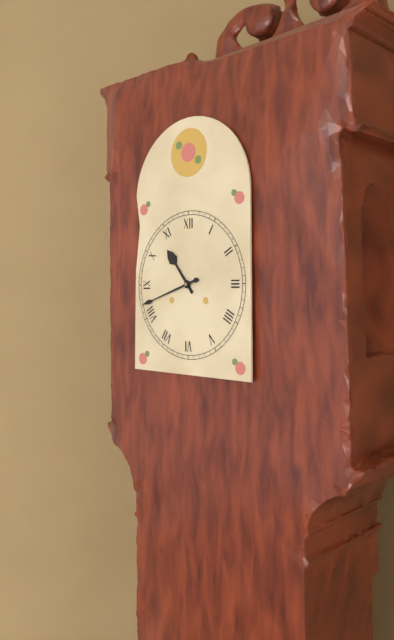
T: 10.42
